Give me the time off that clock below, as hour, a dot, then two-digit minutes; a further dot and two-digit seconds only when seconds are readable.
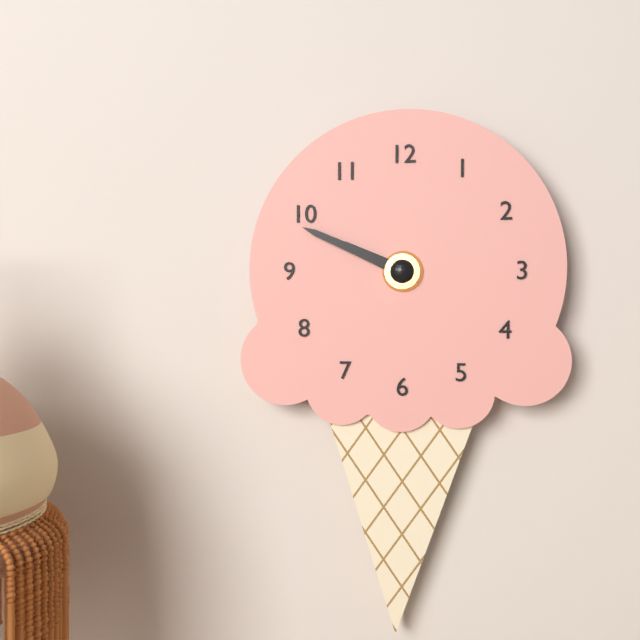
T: 9.49
